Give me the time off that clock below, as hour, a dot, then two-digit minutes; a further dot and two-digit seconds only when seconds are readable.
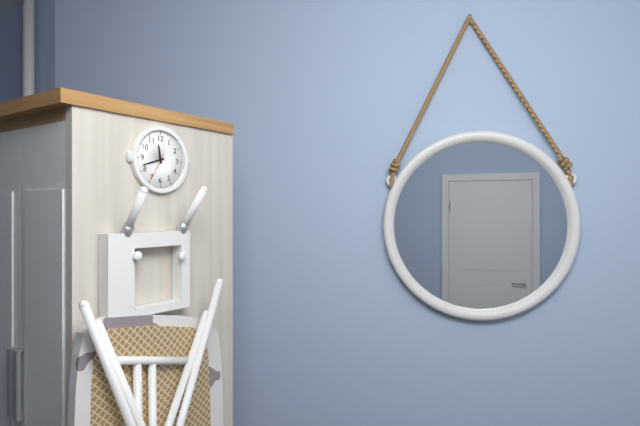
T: 11.42
